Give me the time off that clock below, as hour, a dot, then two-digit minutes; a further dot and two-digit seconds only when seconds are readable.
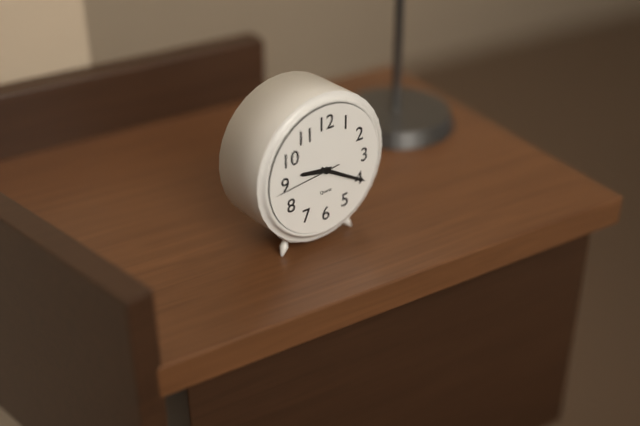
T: 9.20.44
